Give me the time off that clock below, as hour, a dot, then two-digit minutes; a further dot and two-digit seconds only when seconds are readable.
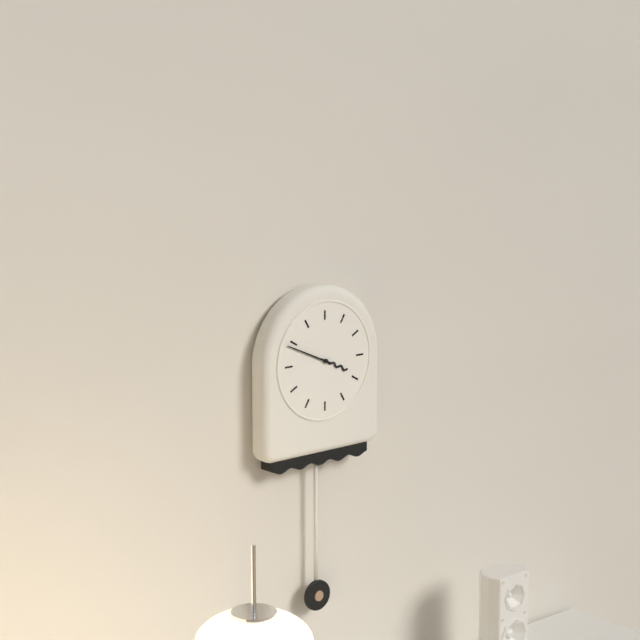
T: 3.49
